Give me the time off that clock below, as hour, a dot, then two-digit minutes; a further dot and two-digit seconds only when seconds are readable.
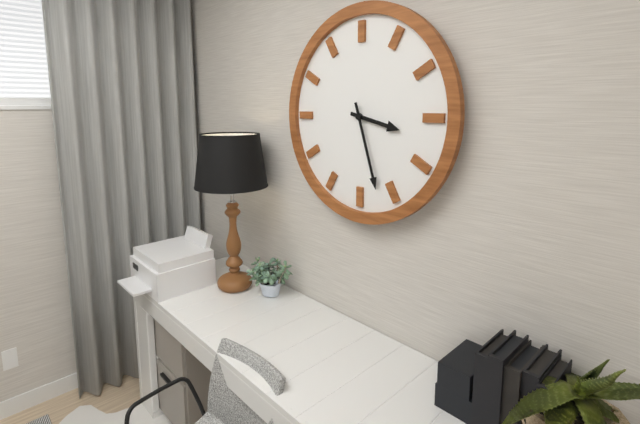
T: 3.27
